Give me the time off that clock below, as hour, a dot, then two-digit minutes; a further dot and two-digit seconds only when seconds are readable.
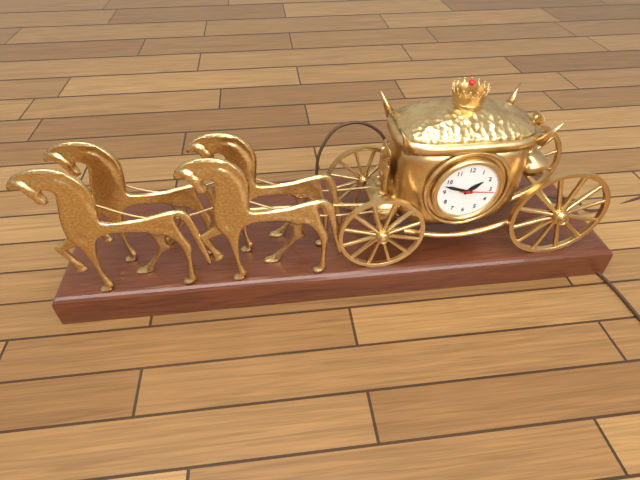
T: 1.48
